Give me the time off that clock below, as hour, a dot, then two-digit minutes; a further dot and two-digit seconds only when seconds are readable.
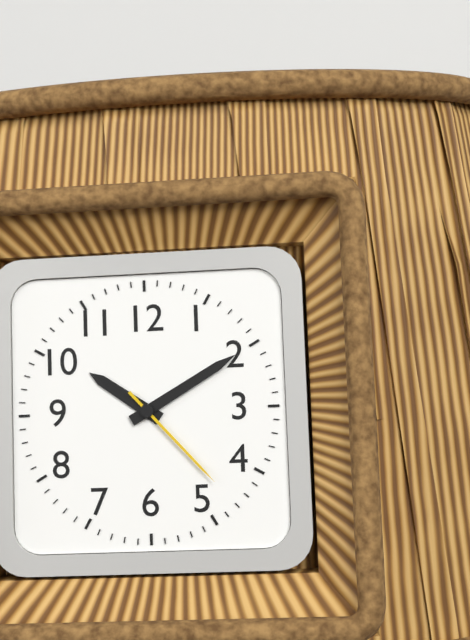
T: 10.10.23
